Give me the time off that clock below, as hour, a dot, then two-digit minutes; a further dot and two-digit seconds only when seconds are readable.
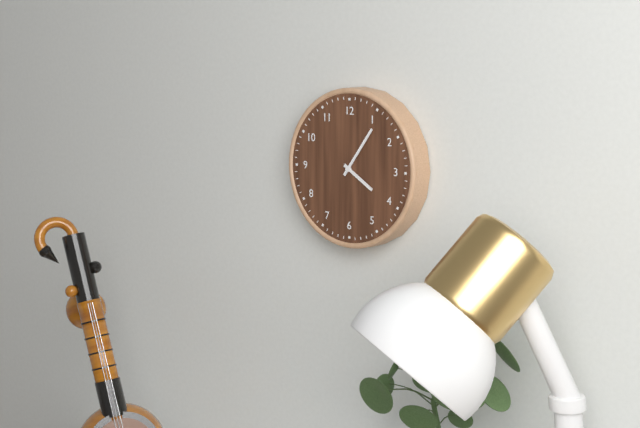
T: 4.06
